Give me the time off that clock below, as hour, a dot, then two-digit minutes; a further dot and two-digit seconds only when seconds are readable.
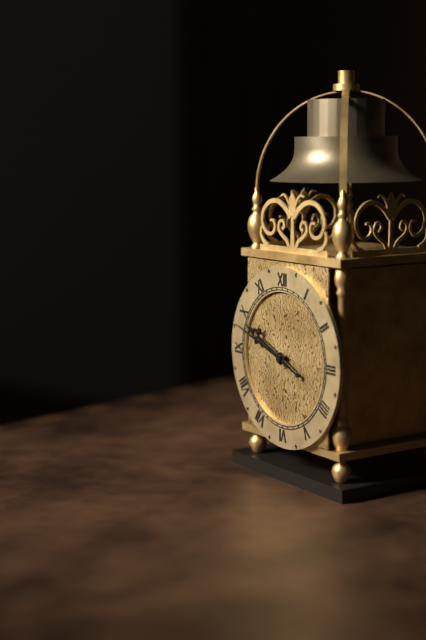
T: 9.48
